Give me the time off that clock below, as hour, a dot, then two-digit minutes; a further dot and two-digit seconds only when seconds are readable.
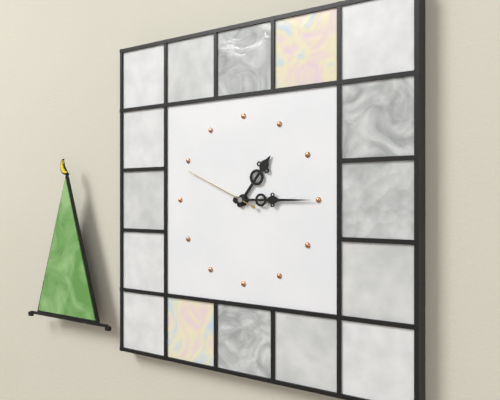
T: 1.15.49
